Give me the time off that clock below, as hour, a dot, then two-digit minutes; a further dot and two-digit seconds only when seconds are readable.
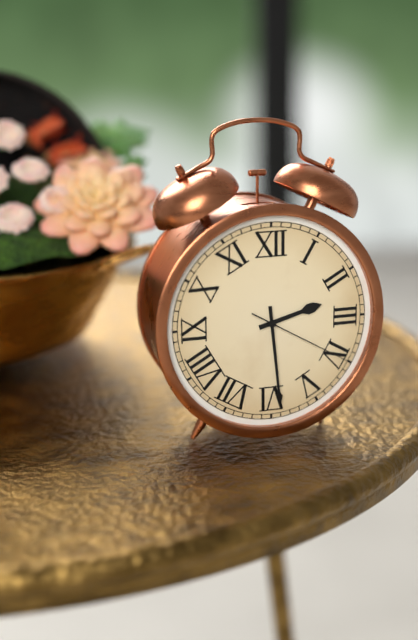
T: 2.29.20
